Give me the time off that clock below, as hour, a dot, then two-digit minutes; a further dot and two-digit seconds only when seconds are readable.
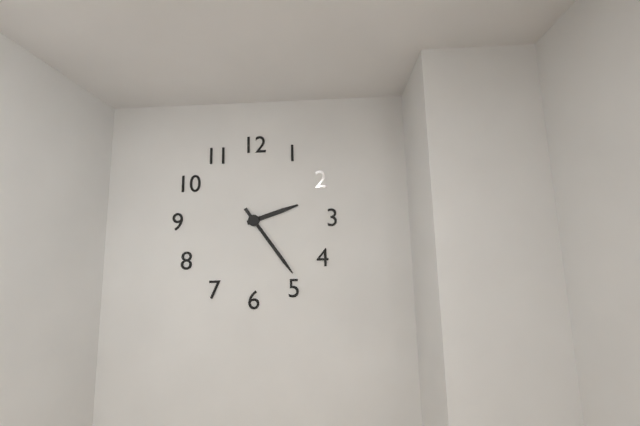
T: 2.24
